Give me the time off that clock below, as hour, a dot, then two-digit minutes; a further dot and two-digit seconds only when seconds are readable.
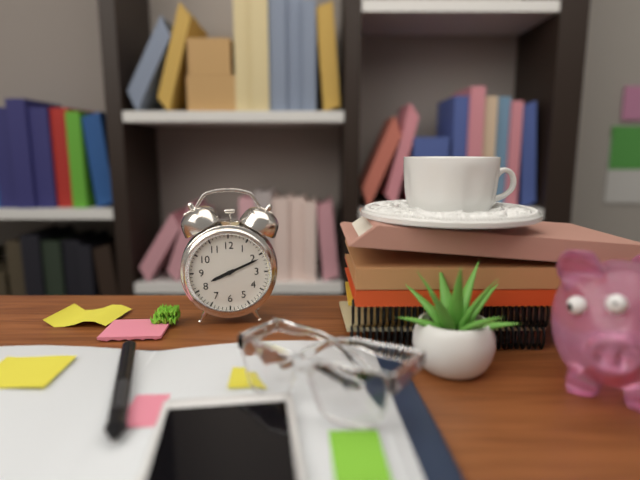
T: 8.11
